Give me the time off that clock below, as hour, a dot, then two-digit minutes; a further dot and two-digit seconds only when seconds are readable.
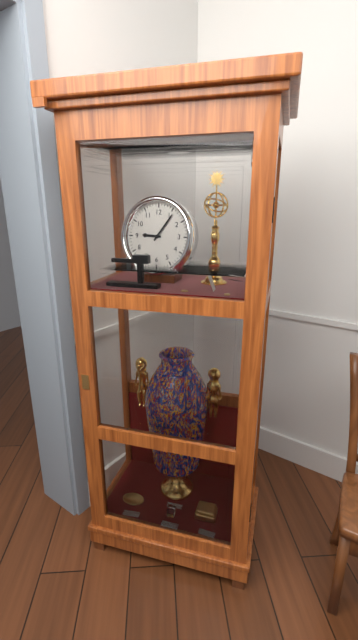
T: 9.06
